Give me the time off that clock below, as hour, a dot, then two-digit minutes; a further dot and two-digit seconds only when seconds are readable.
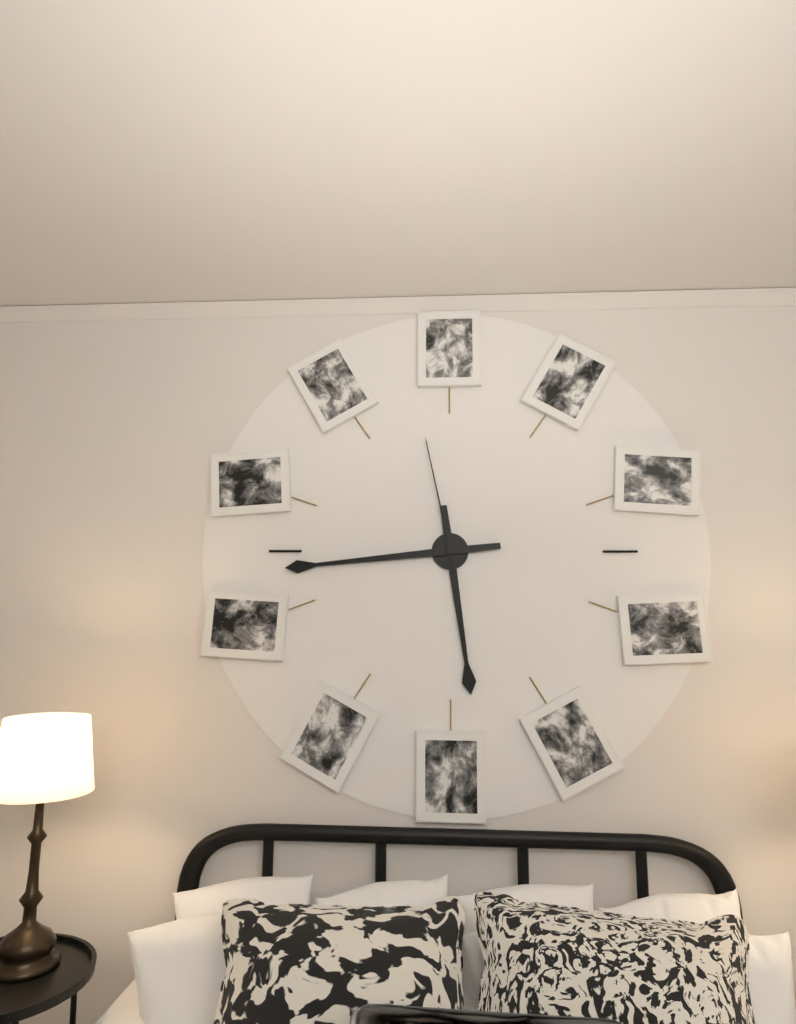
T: 5.44.58
